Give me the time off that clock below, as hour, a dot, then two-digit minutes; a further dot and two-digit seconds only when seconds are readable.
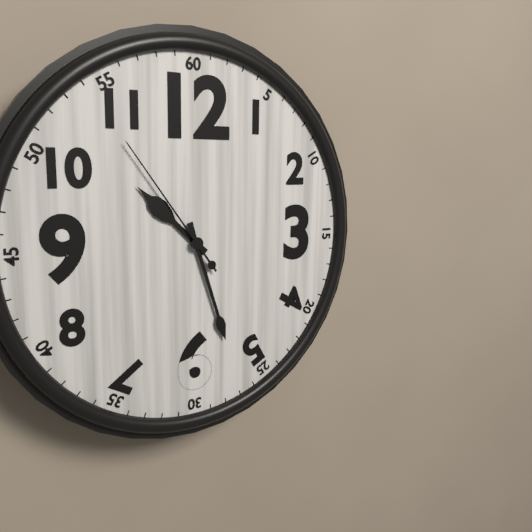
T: 10.27.54
